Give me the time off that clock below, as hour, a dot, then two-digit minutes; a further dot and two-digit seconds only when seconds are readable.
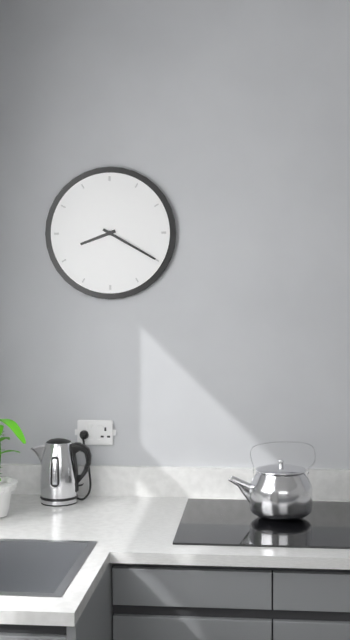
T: 8.20
